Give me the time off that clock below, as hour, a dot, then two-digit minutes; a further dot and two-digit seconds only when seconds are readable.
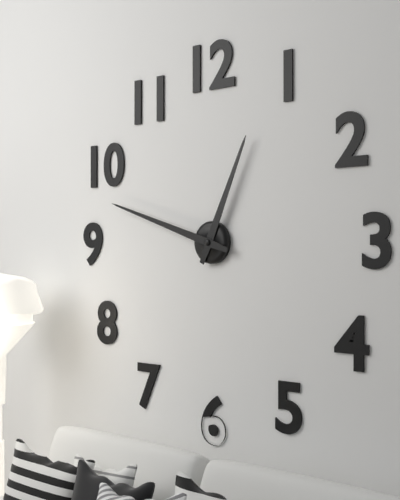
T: 12.48
